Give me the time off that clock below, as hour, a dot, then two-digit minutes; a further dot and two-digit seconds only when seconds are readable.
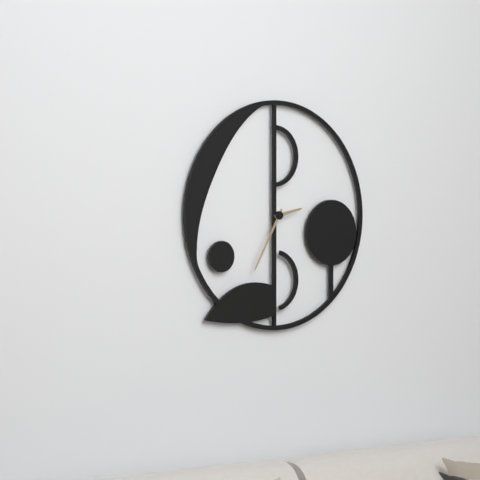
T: 2.35
